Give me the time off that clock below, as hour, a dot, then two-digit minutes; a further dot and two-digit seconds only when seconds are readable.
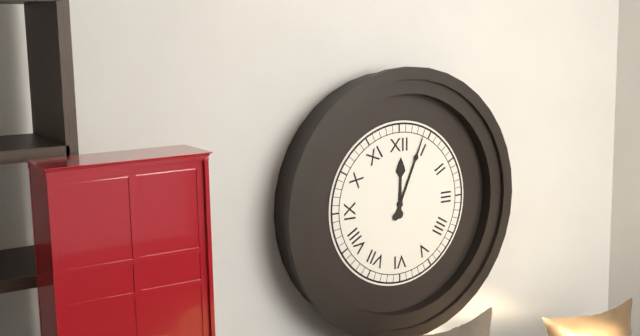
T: 12.04
